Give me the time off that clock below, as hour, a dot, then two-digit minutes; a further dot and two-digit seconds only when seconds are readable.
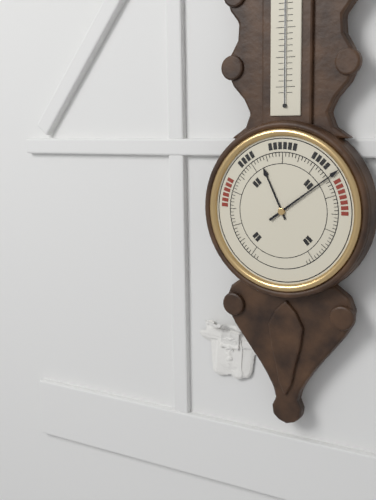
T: 11.09
